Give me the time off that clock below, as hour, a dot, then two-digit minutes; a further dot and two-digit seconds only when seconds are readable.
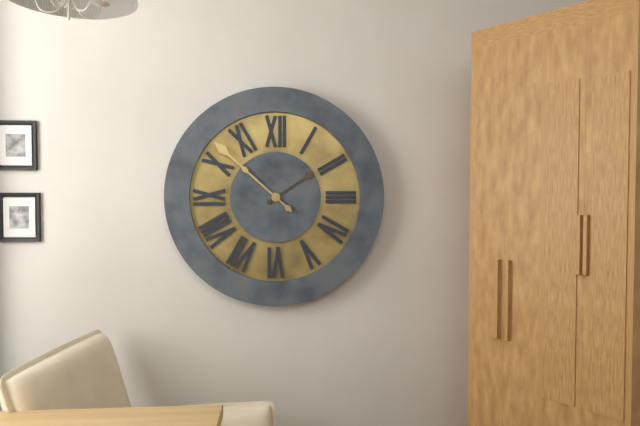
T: 1.52
